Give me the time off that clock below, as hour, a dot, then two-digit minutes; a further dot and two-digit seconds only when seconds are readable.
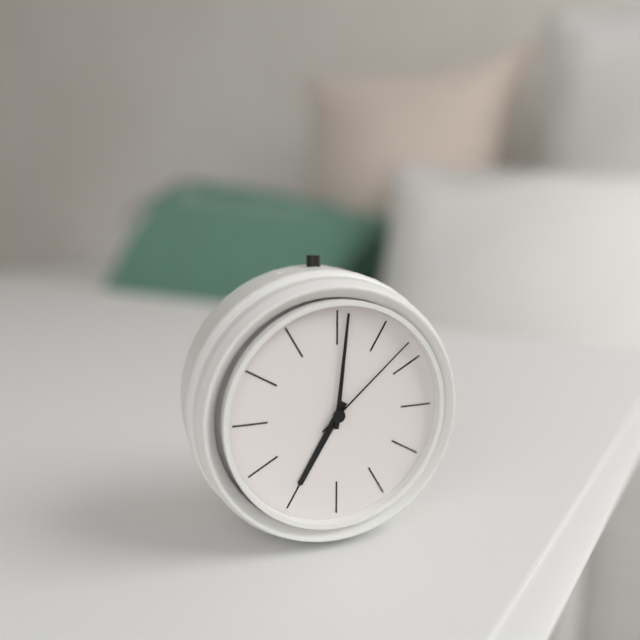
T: 7.01.08
